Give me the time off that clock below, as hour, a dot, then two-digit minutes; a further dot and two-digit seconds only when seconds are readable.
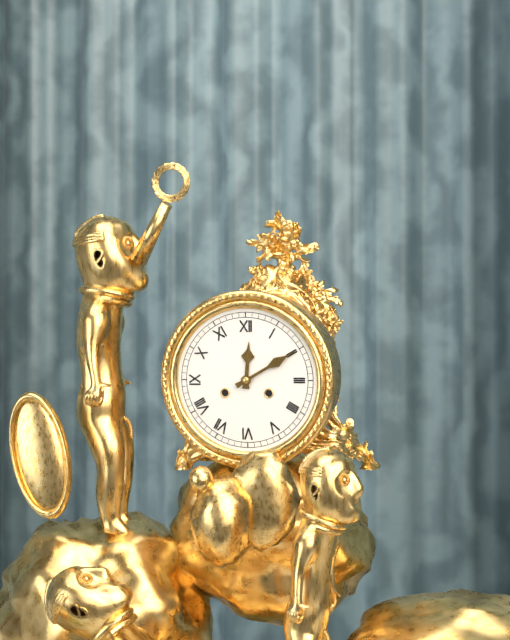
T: 12.10
